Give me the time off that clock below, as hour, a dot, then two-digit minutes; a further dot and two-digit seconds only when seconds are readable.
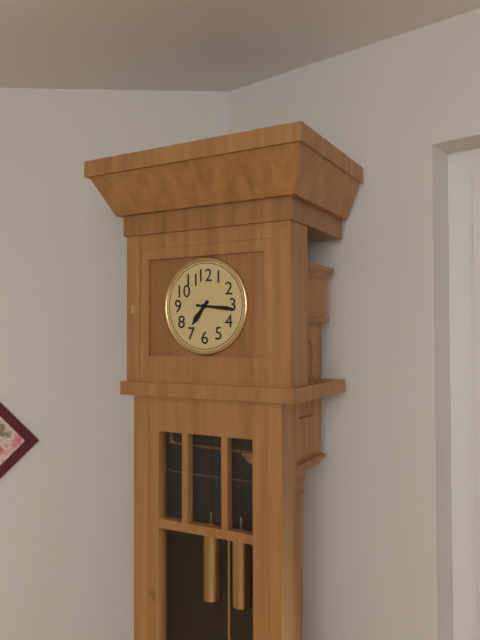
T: 7.16
